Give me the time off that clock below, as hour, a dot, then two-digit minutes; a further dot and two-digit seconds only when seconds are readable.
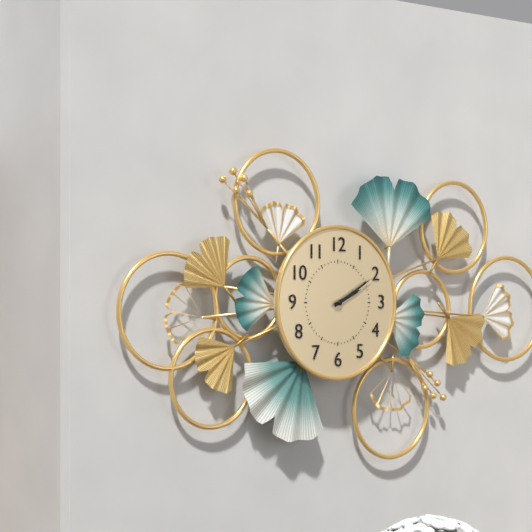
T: 2.10
